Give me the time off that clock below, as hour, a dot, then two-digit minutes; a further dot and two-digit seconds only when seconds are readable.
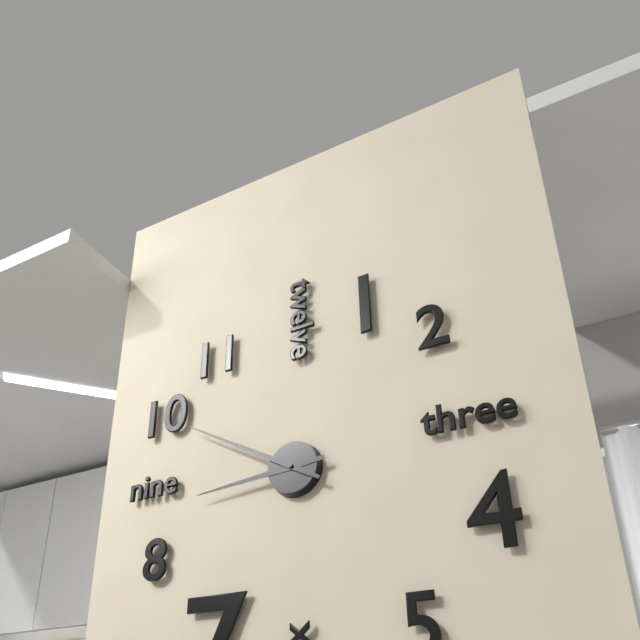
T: 8.50
